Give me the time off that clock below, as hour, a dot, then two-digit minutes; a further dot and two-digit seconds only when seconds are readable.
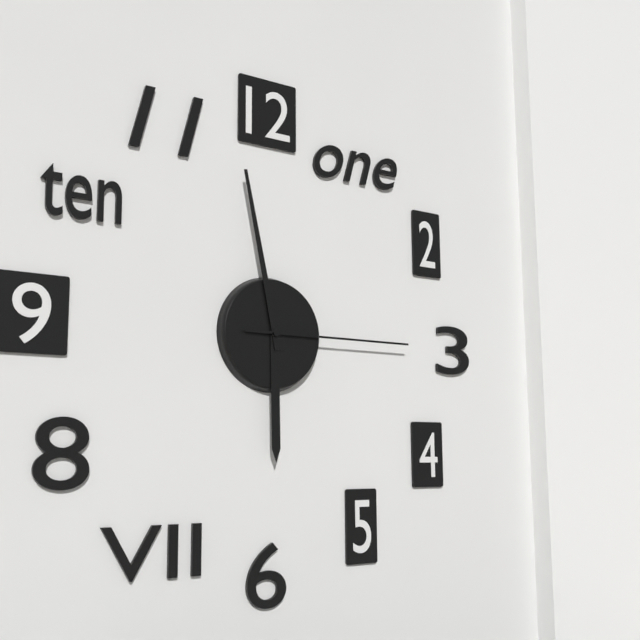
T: 5.58.15
